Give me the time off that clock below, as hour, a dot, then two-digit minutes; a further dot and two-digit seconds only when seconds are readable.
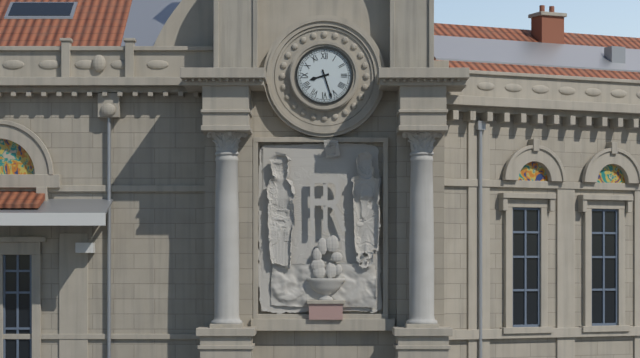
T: 8.27
